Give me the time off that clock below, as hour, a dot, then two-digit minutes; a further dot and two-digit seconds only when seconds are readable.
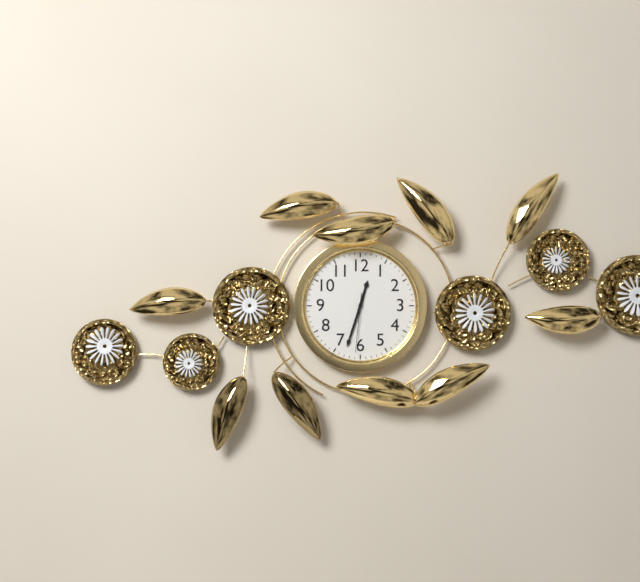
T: 12.33.31
